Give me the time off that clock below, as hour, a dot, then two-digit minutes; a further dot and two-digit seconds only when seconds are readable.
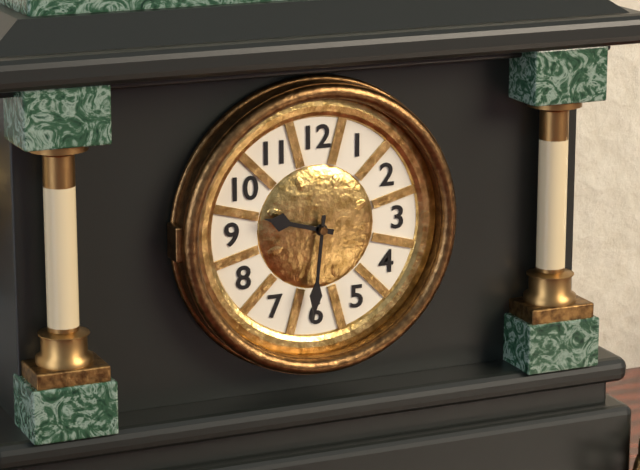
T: 9.31
